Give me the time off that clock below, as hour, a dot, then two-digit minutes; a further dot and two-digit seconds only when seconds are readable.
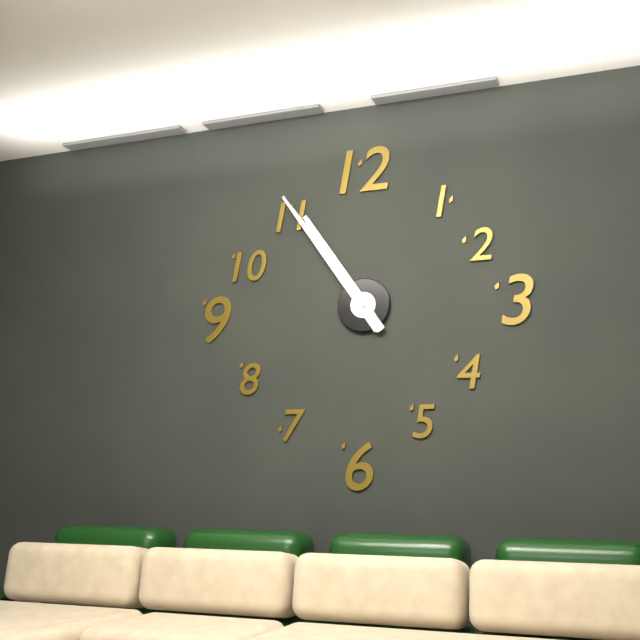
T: 10.54
